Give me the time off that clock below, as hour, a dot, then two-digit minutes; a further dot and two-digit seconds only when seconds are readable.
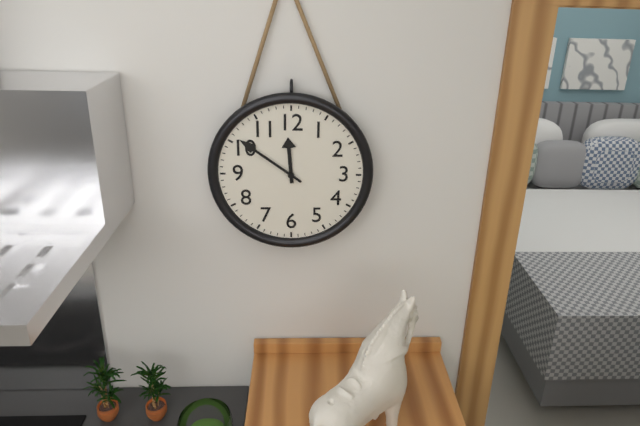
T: 11.51
